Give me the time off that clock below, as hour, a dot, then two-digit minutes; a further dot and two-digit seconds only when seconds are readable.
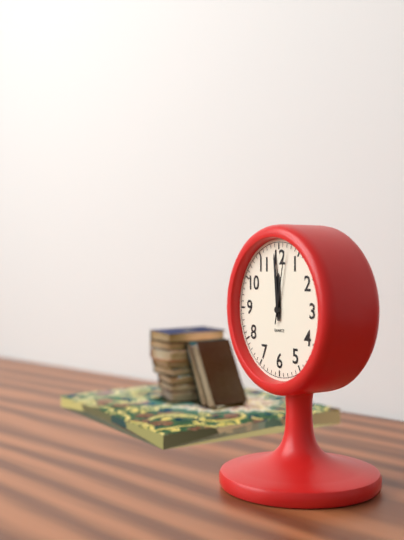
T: 11.59.02
